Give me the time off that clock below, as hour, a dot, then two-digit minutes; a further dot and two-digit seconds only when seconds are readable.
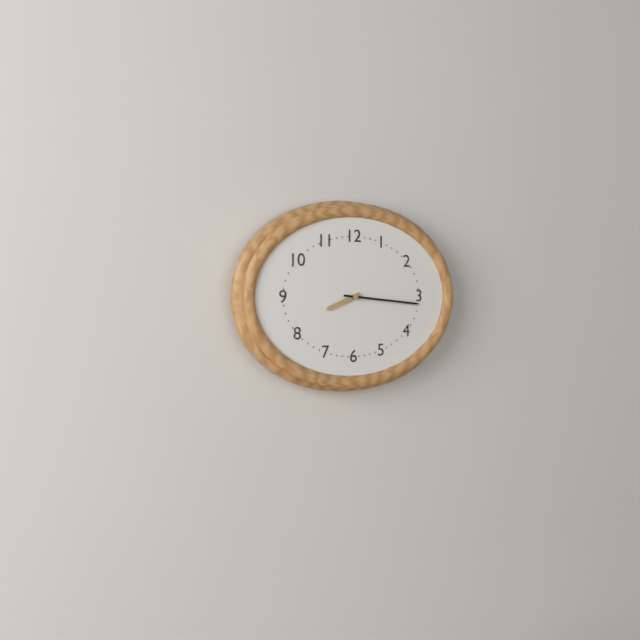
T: 8.16
